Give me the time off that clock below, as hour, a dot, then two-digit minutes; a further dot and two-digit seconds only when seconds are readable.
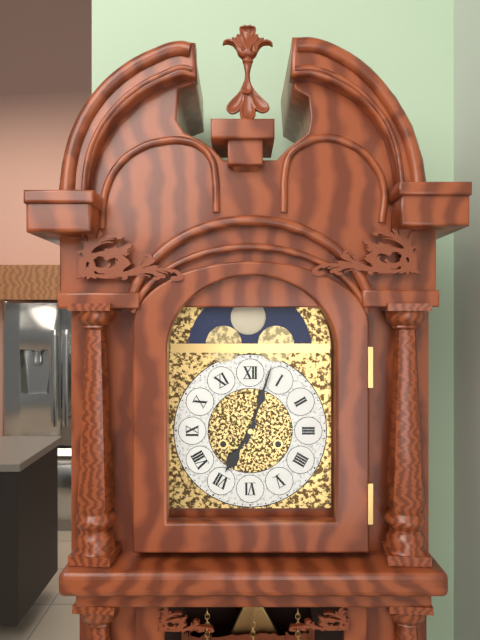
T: 7.03
